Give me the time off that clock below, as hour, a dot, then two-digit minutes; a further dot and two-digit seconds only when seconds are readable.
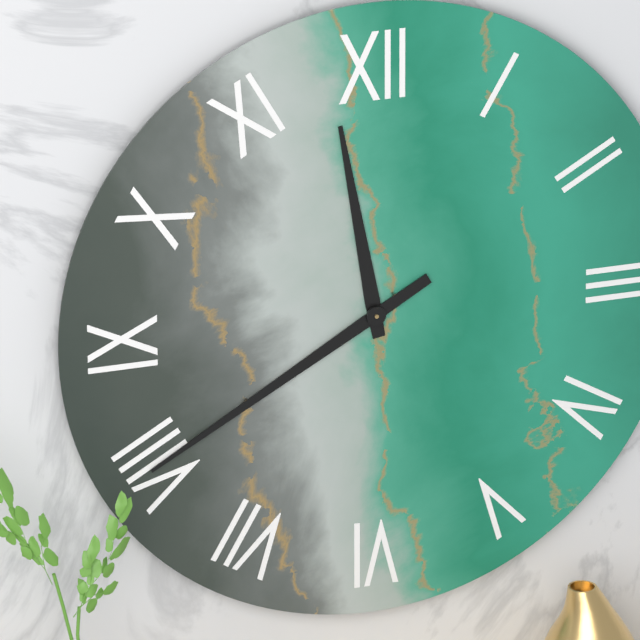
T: 11.40
